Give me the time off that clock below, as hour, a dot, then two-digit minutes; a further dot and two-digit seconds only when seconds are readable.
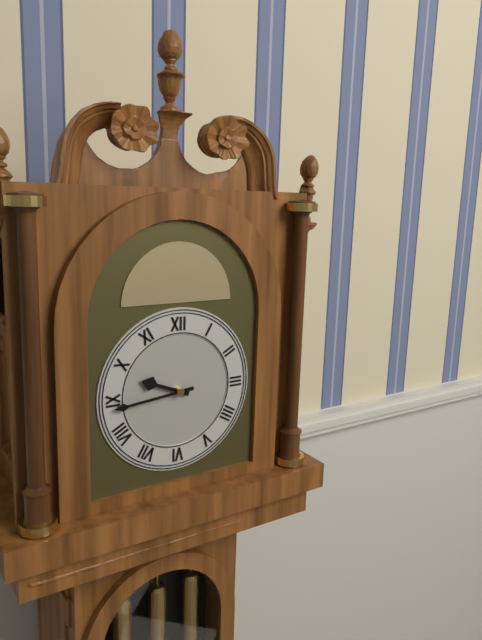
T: 9.44
